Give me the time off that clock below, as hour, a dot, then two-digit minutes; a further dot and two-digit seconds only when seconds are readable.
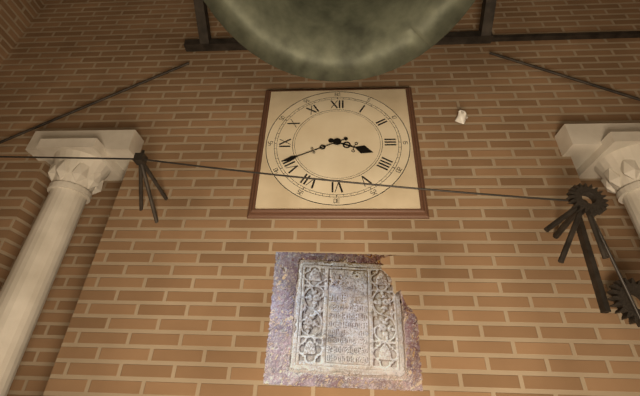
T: 3.41
